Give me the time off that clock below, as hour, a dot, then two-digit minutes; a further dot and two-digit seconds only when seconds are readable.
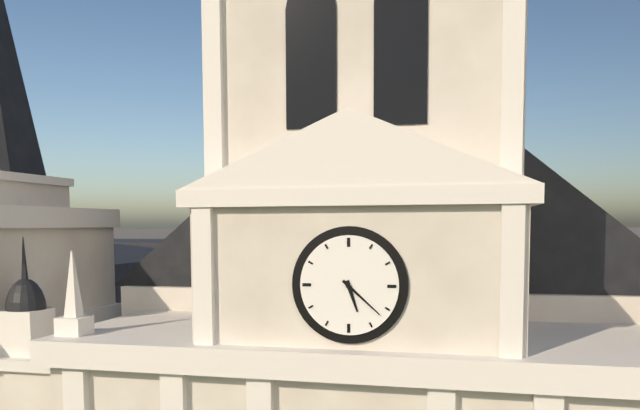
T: 5.22
